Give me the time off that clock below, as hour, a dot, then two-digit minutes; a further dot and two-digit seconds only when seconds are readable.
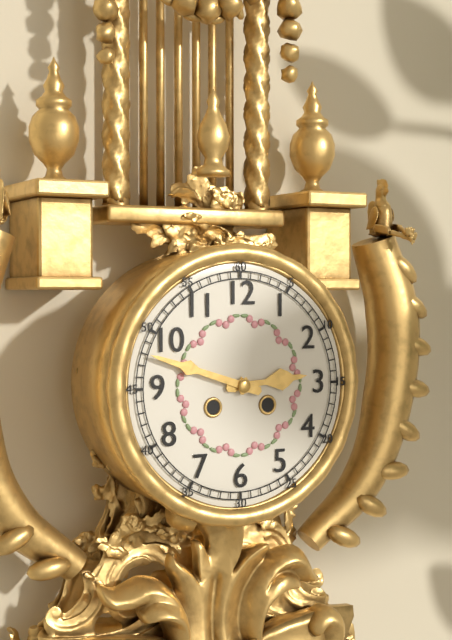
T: 2.48
